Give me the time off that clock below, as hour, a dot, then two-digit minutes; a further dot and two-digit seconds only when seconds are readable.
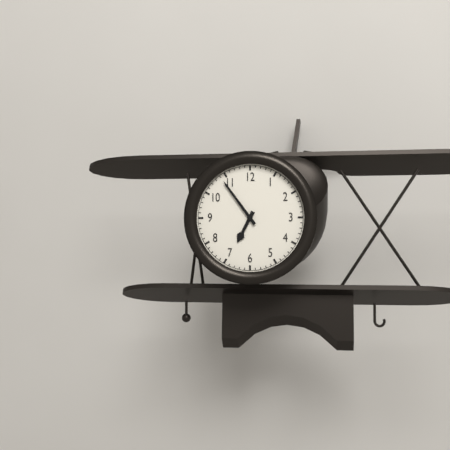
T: 6.54
